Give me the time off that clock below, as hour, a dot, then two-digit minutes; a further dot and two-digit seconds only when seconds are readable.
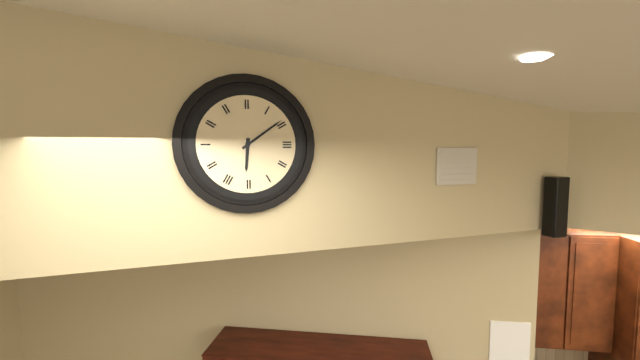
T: 6.09
